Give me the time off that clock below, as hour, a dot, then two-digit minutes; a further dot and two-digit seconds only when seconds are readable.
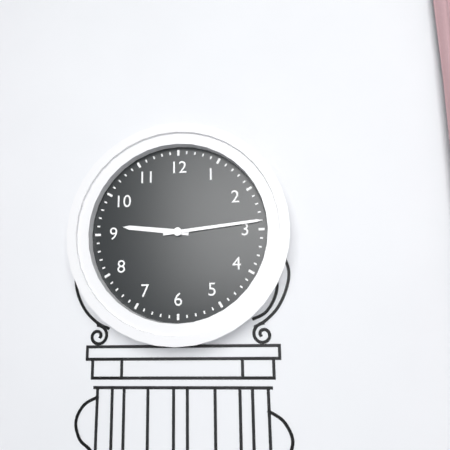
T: 9.14
